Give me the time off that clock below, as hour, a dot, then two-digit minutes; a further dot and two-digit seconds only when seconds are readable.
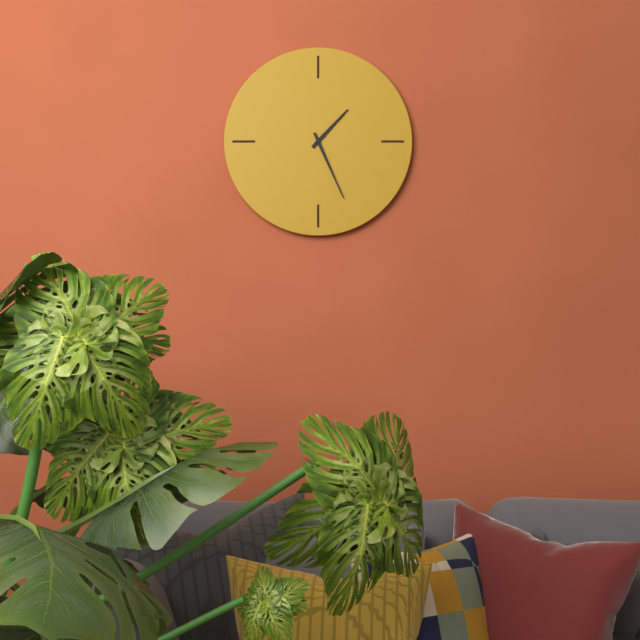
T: 1.26
